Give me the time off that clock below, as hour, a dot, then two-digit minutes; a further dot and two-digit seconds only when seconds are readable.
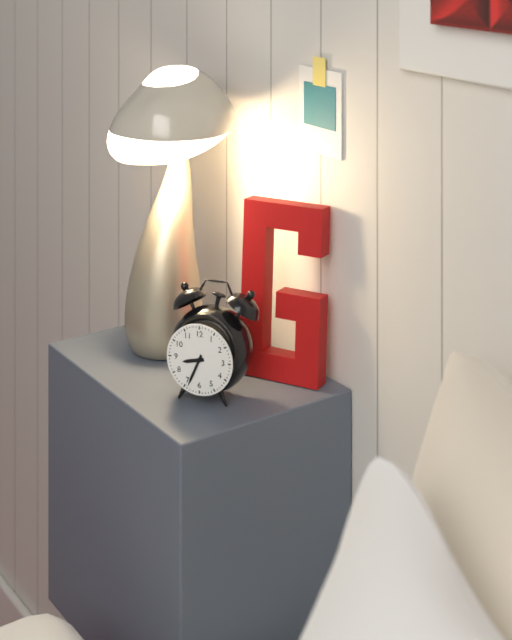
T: 8.34
